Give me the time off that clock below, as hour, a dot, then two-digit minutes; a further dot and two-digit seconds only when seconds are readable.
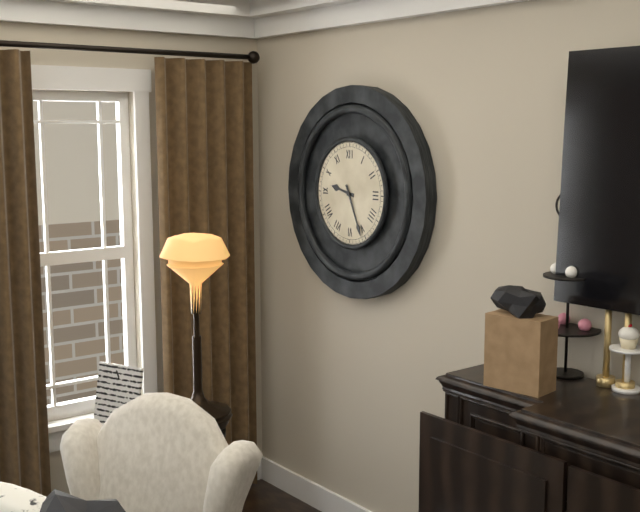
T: 9.26
